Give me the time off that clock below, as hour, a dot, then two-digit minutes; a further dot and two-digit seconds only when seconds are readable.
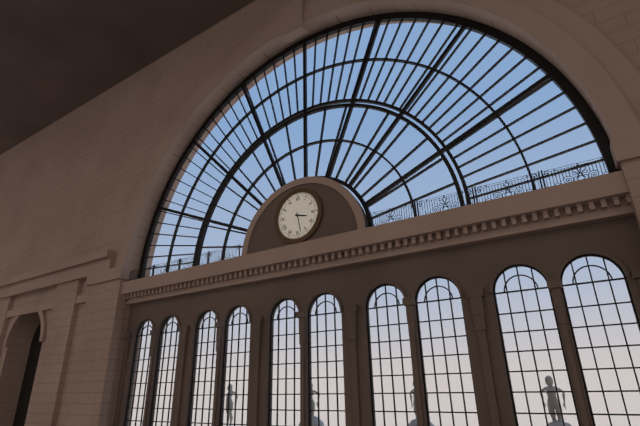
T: 3.28
